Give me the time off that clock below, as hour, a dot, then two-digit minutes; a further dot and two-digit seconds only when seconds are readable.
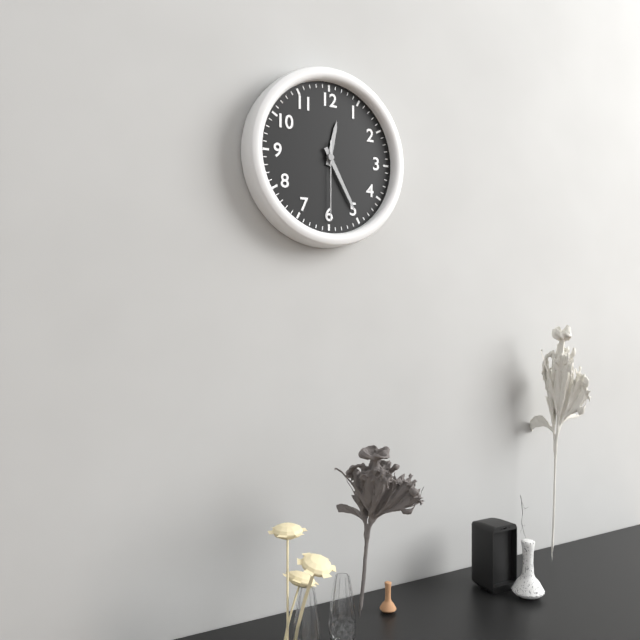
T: 12.25.30
